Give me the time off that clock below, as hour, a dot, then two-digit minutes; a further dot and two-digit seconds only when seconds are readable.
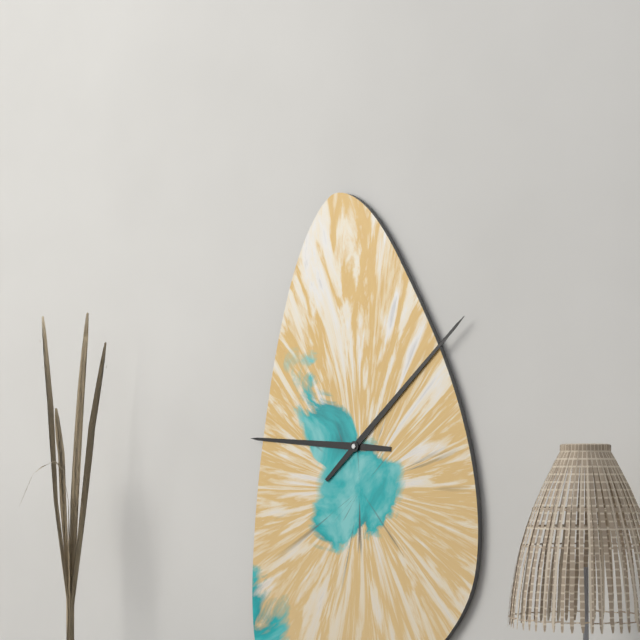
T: 9.08
